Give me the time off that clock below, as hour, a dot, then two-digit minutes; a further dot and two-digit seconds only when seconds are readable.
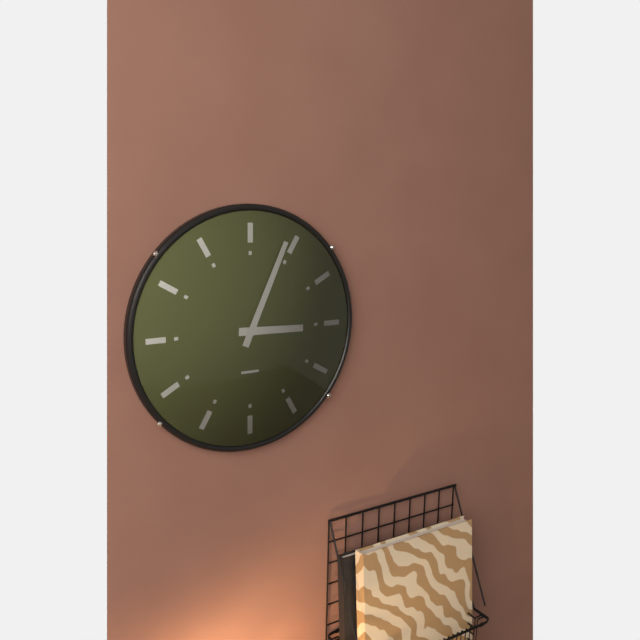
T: 3.04
